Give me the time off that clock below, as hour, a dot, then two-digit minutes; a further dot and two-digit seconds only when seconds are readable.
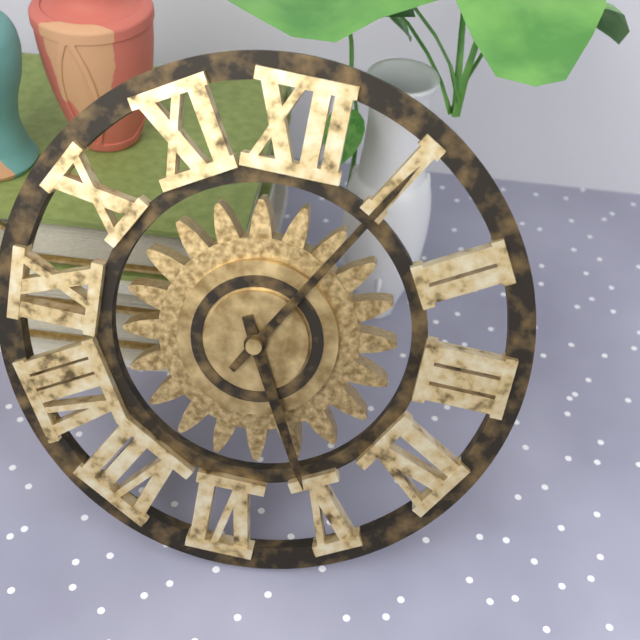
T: 5.05
